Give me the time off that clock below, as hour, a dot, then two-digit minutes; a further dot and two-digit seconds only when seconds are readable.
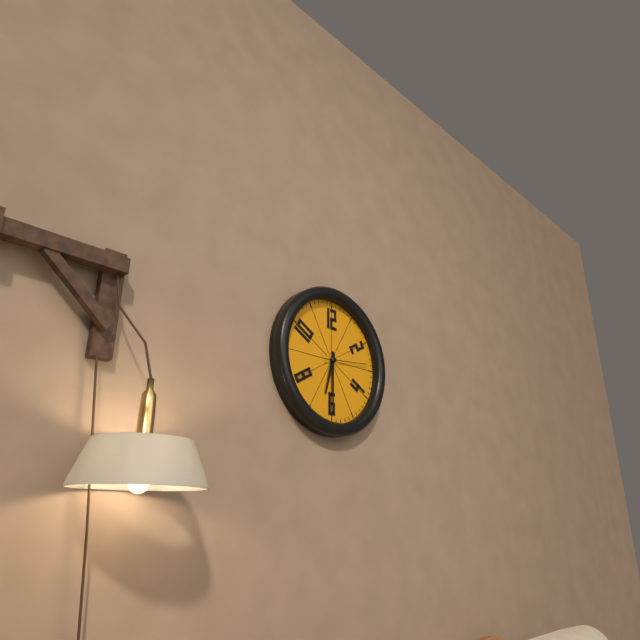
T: 6.30
